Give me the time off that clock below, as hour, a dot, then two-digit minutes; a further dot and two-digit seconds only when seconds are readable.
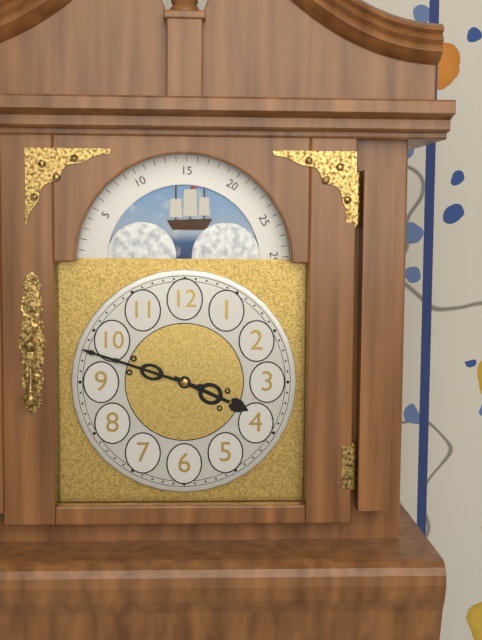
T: 3.48
